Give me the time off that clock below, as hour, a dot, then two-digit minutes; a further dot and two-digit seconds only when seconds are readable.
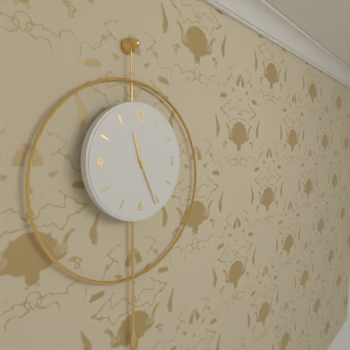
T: 11.26
